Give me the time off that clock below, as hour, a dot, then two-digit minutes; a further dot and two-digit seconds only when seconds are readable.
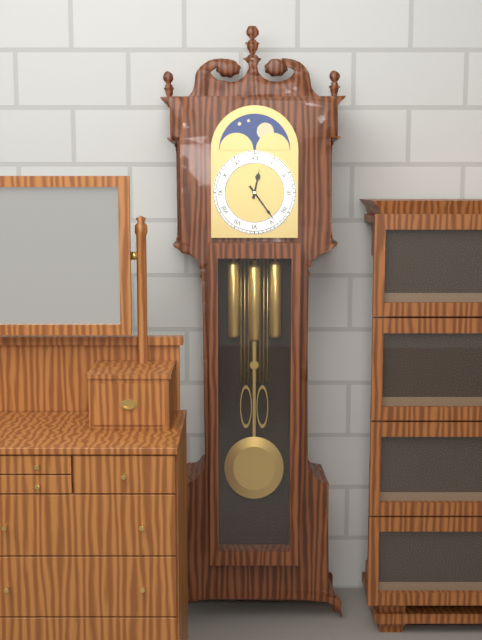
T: 12.24
